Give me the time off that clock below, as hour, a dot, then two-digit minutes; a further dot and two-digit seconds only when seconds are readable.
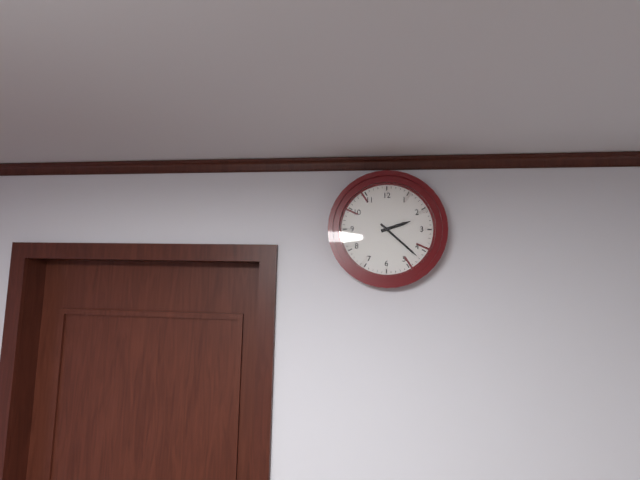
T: 2.22
